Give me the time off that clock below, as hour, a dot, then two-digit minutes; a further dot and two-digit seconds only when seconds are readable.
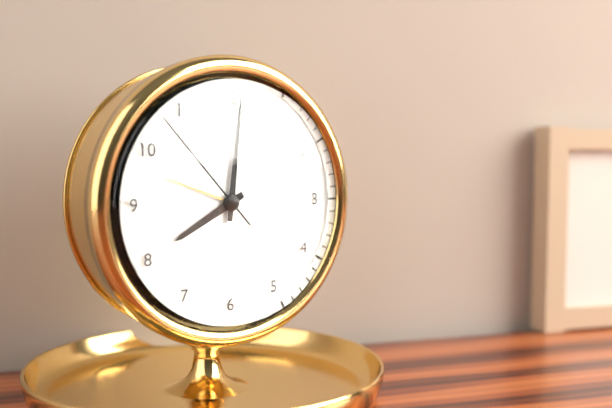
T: 8.01.53
